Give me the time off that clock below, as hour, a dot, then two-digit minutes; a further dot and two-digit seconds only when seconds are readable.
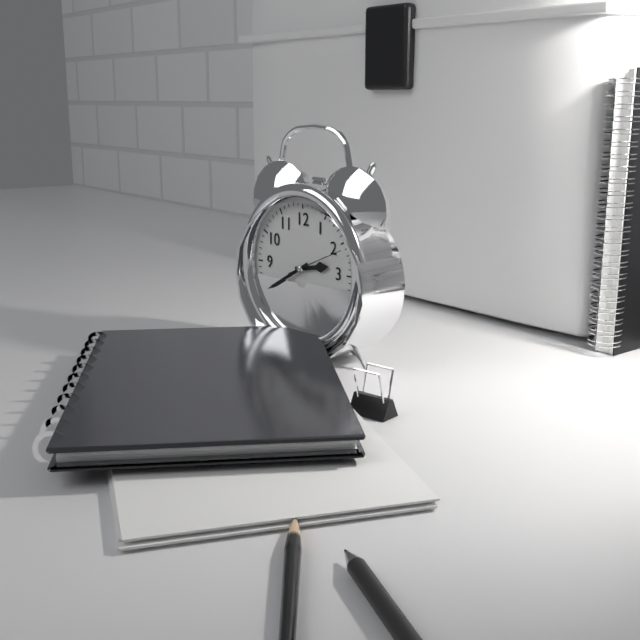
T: 2.40
